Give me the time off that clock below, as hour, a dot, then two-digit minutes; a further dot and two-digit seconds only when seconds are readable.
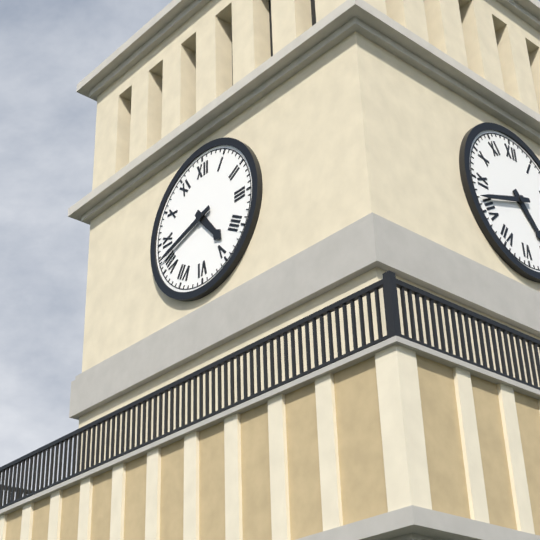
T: 4.42
